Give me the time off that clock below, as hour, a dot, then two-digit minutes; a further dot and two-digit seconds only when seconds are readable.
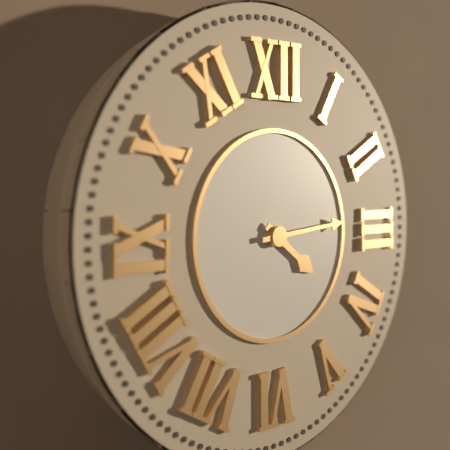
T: 4.14
